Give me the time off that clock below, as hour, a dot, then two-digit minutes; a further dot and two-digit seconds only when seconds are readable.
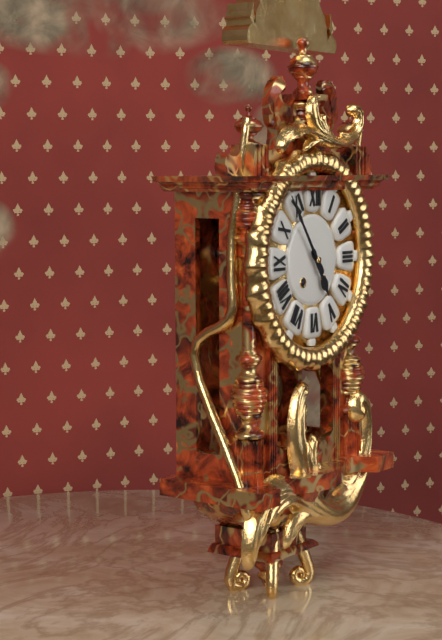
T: 4.54
